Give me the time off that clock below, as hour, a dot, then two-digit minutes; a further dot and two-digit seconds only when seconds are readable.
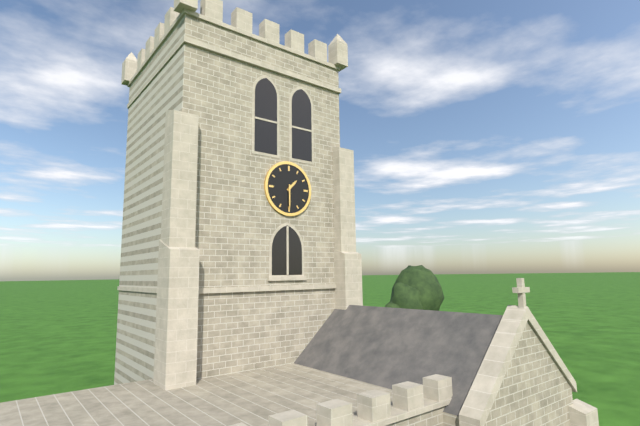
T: 1.30
